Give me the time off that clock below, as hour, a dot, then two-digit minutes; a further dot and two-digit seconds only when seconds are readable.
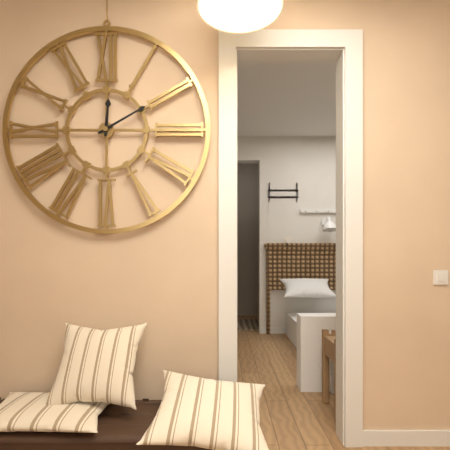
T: 12.10
